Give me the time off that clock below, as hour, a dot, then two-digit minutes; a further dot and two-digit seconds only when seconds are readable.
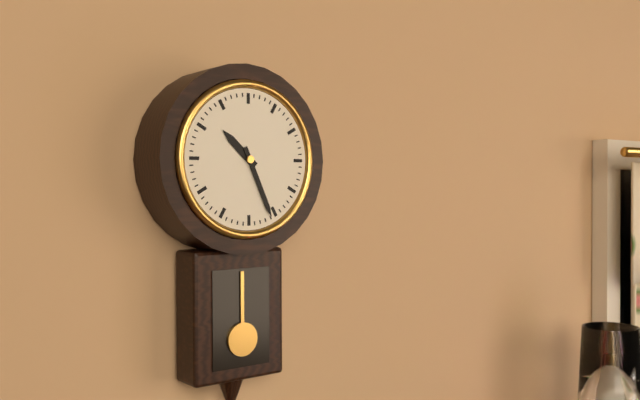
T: 10.26
